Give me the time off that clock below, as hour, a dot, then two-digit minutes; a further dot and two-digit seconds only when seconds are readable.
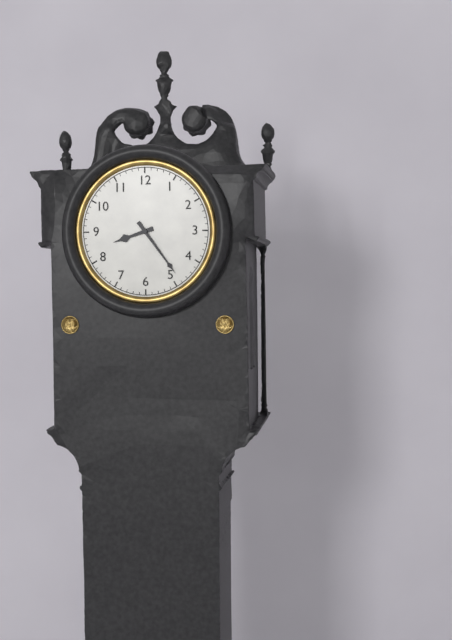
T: 8.24
